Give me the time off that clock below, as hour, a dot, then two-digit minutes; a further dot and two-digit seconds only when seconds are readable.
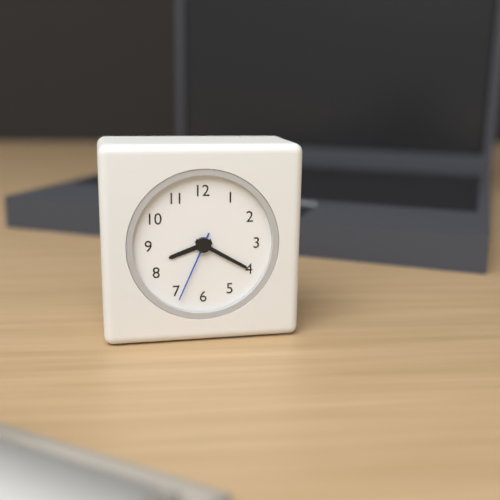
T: 8.20.34
